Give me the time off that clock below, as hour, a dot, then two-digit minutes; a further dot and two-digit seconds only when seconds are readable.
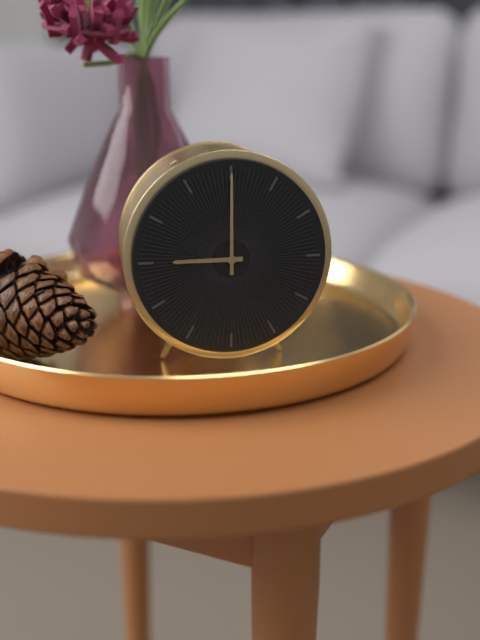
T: 9.00
